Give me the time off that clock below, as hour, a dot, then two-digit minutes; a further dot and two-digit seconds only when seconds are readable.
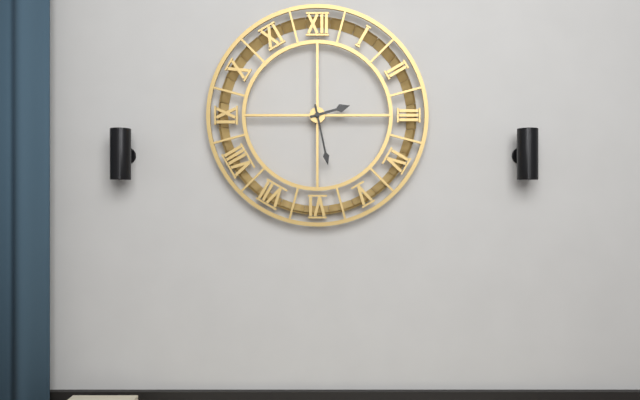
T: 2.28
